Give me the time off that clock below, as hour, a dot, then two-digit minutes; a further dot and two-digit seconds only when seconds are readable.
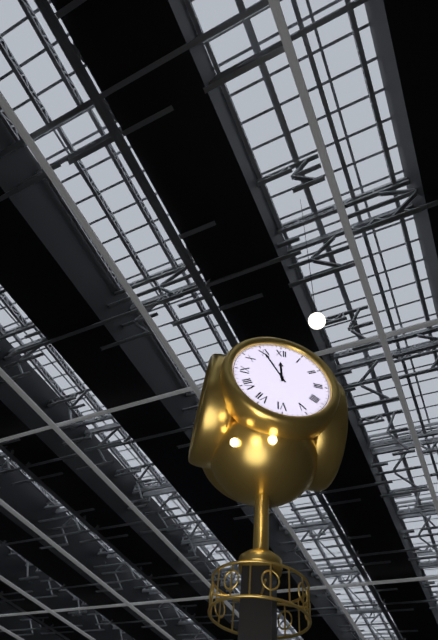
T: 11.55
